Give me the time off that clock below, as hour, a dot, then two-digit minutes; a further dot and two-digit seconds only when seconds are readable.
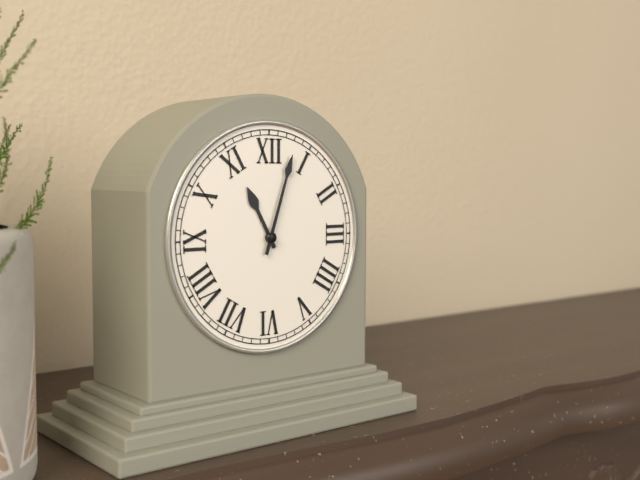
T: 11.03
